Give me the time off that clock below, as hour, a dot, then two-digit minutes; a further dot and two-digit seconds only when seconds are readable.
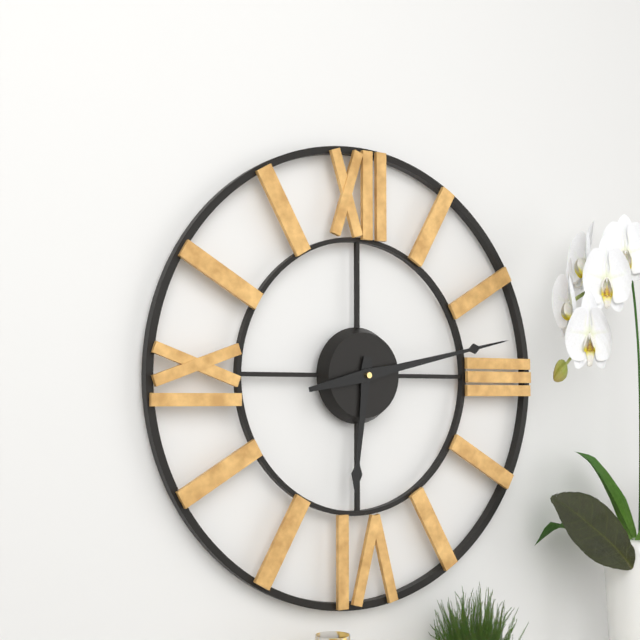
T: 6.13
